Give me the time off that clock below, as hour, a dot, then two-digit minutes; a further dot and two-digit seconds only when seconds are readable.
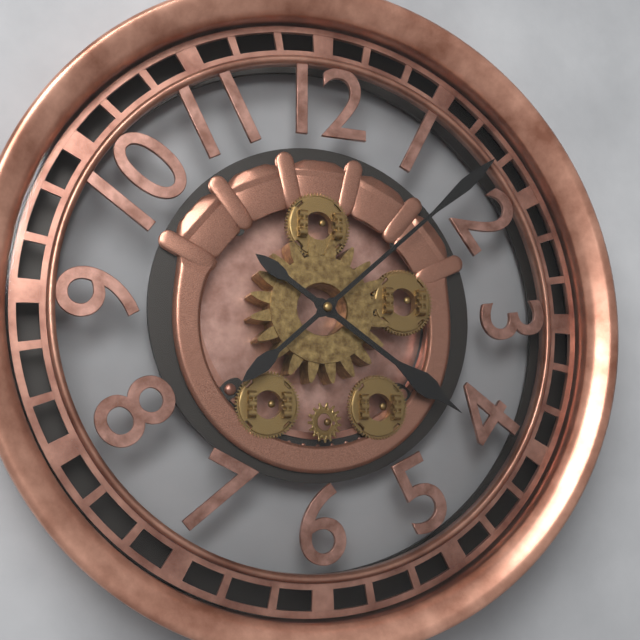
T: 4.08
